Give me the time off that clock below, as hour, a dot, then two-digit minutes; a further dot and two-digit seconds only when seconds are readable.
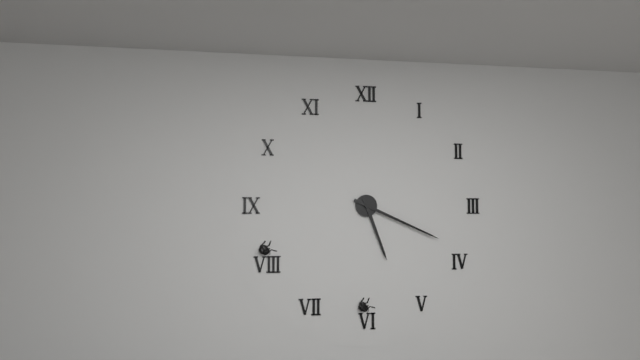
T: 5.19
